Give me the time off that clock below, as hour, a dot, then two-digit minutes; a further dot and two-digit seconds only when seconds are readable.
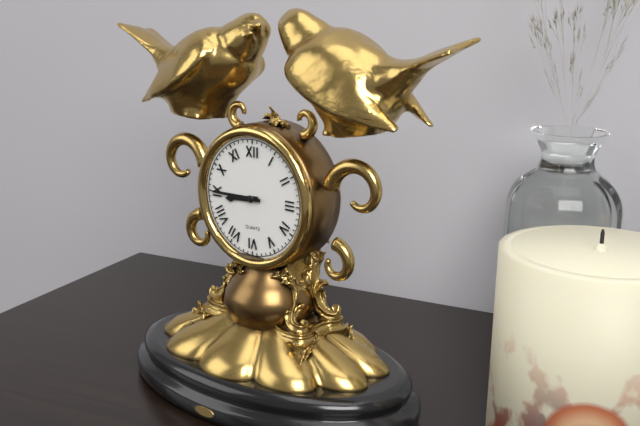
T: 8.45
